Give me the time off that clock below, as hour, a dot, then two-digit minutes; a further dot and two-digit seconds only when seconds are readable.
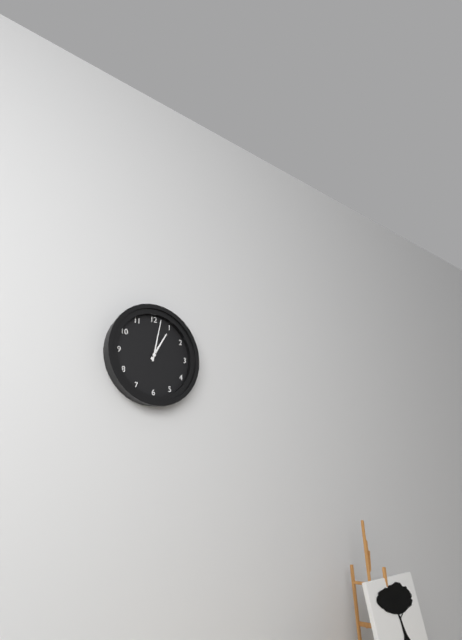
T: 1.02
